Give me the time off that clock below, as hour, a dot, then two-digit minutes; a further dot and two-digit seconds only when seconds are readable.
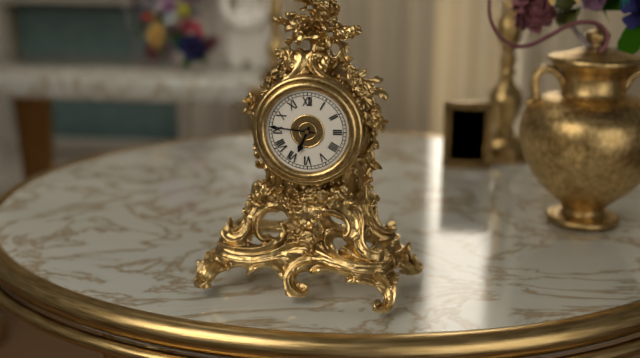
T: 6.46
